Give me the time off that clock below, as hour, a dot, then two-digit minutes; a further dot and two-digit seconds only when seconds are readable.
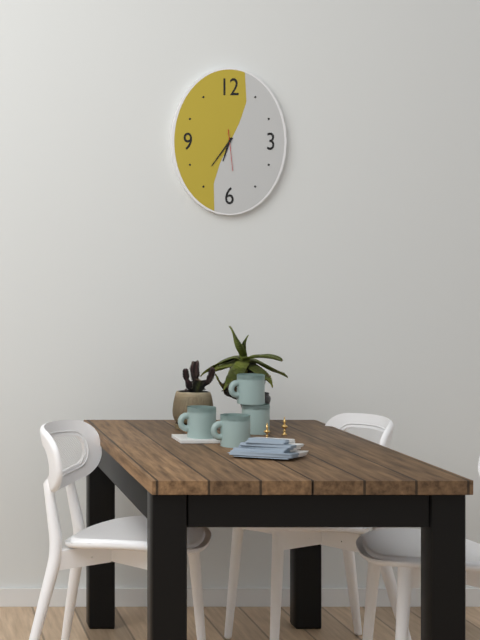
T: 6.36
